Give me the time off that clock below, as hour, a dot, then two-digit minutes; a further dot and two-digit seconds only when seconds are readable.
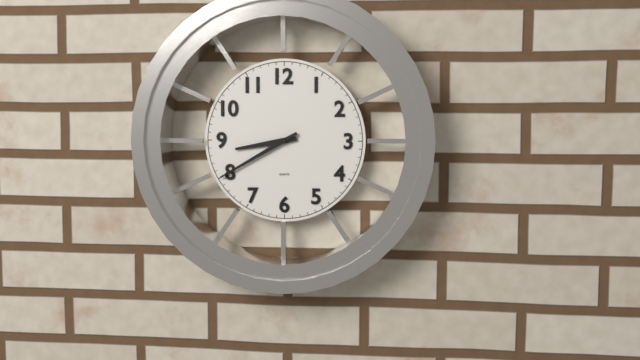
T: 8.40
